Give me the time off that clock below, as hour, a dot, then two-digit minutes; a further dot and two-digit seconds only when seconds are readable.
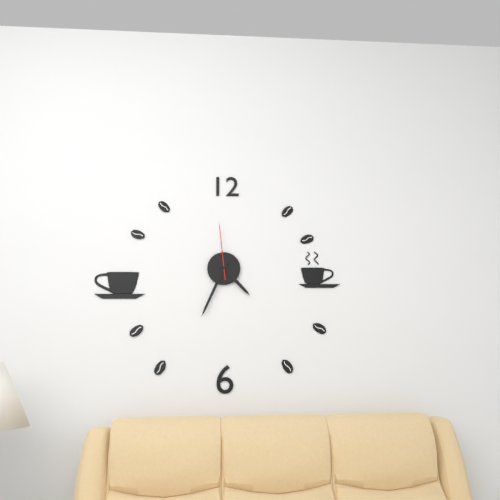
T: 4.34.59
